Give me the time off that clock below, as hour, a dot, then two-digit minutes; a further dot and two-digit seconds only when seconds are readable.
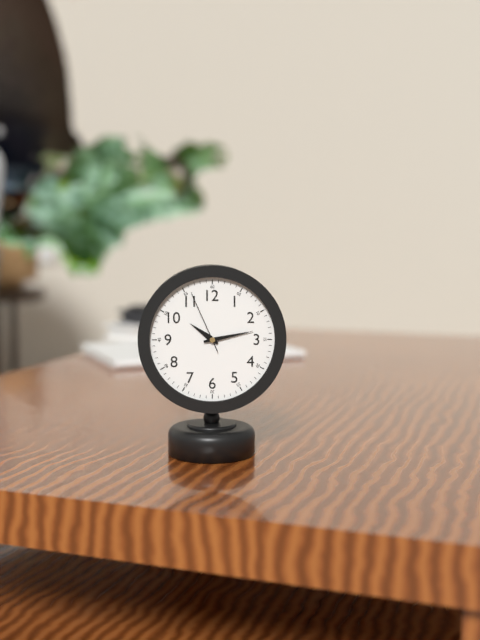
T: 10.13.56
